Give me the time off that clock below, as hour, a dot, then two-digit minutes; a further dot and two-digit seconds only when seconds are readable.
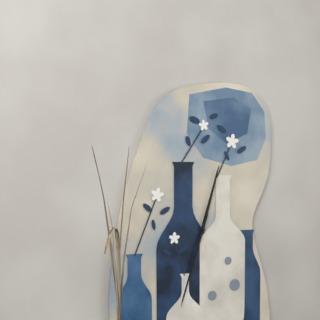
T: 12.33
